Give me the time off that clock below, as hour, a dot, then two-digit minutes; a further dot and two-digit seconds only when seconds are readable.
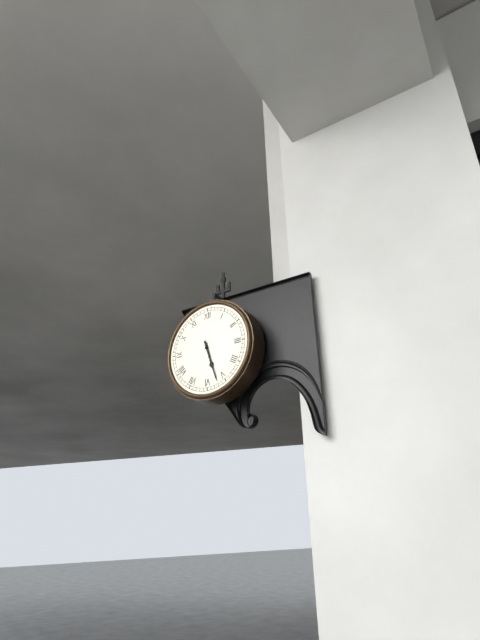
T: 5.27
